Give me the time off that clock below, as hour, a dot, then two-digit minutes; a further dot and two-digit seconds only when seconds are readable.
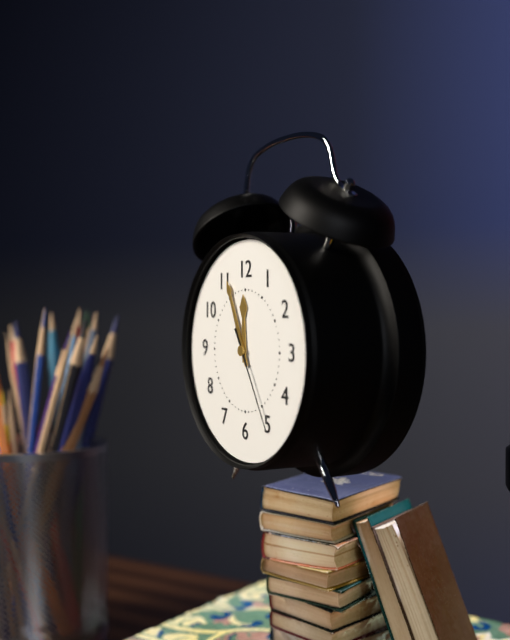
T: 11.56.25
